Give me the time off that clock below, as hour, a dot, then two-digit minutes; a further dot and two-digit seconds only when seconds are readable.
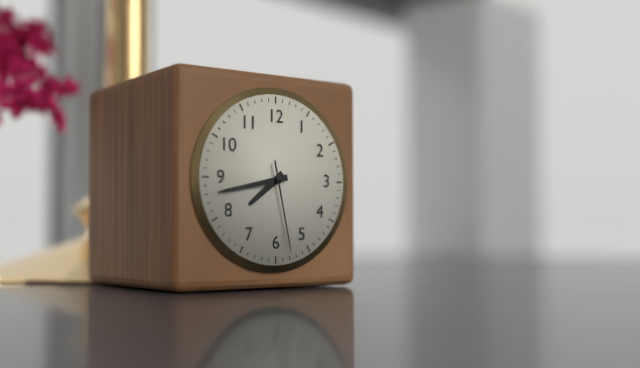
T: 7.43.28
